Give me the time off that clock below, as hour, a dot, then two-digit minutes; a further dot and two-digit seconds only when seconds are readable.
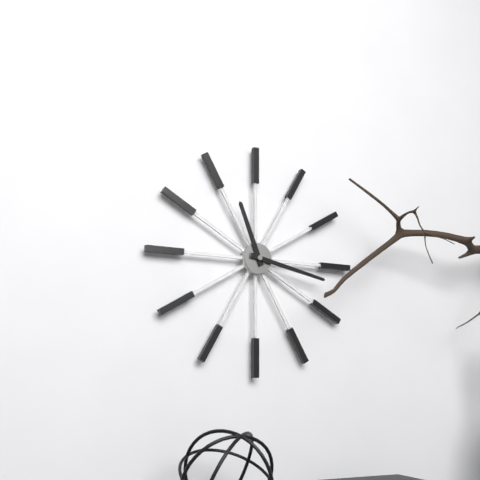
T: 11.17
